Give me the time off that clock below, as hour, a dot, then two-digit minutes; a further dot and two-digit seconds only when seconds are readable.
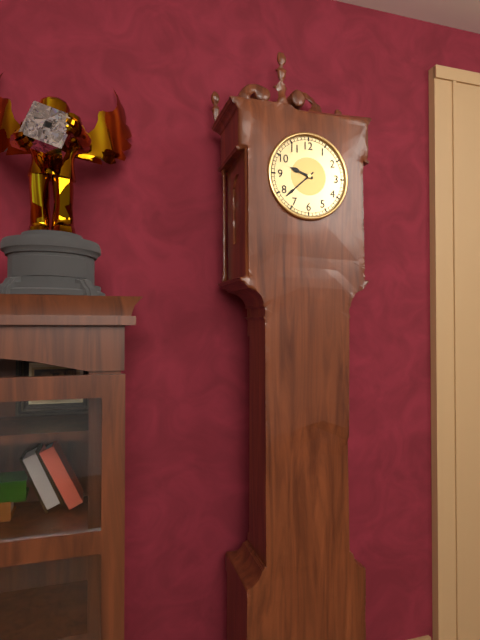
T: 9.38
